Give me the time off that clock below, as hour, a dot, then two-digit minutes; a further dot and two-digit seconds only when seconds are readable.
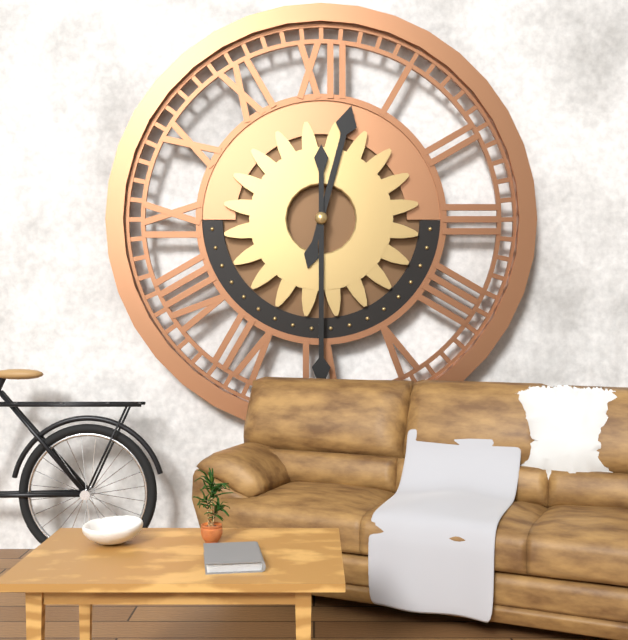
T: 12.30
